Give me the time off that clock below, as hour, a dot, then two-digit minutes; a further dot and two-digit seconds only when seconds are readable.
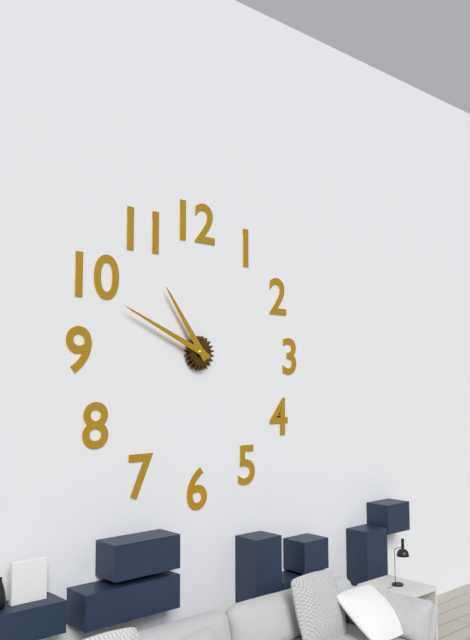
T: 10.49
